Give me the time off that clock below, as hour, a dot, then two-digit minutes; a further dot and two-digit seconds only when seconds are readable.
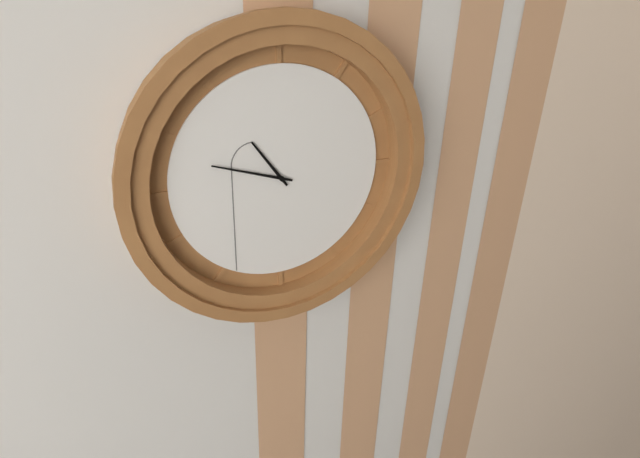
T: 10.48
